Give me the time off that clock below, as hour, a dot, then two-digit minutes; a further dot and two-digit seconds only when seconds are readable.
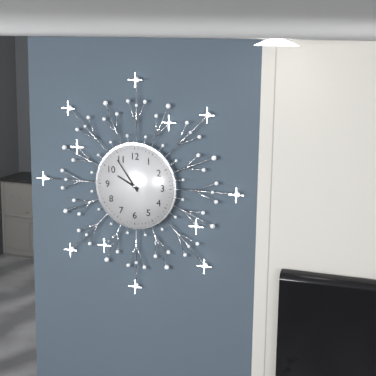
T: 9.54
